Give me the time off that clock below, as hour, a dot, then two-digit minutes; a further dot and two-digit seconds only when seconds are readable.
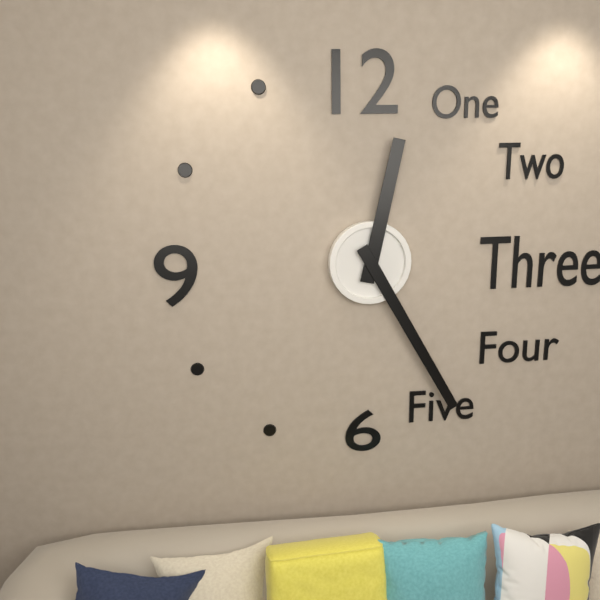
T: 12.25
